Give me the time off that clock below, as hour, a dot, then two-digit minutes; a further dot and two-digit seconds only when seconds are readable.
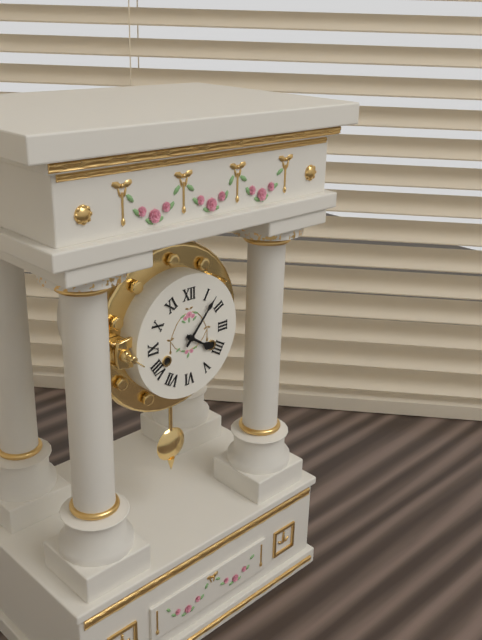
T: 4.07
